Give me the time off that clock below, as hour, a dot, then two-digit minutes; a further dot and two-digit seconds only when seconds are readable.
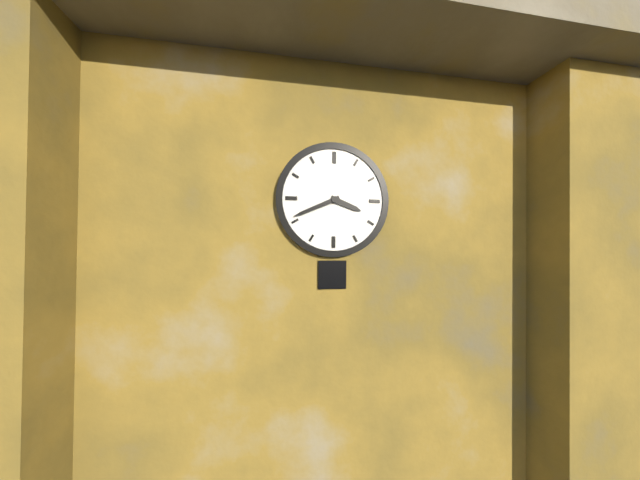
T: 3.41
